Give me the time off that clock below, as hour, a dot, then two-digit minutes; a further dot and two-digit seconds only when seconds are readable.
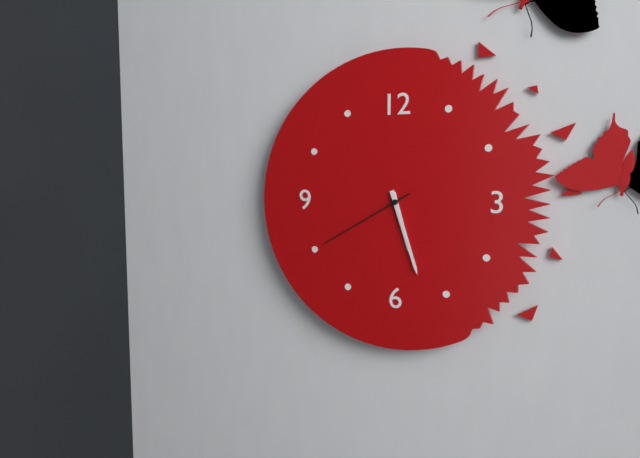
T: 5.27.40
